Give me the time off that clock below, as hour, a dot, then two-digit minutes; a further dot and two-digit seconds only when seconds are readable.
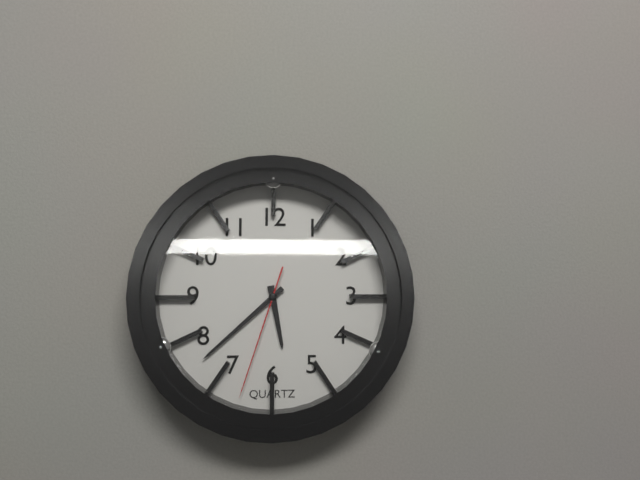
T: 5.38.33
